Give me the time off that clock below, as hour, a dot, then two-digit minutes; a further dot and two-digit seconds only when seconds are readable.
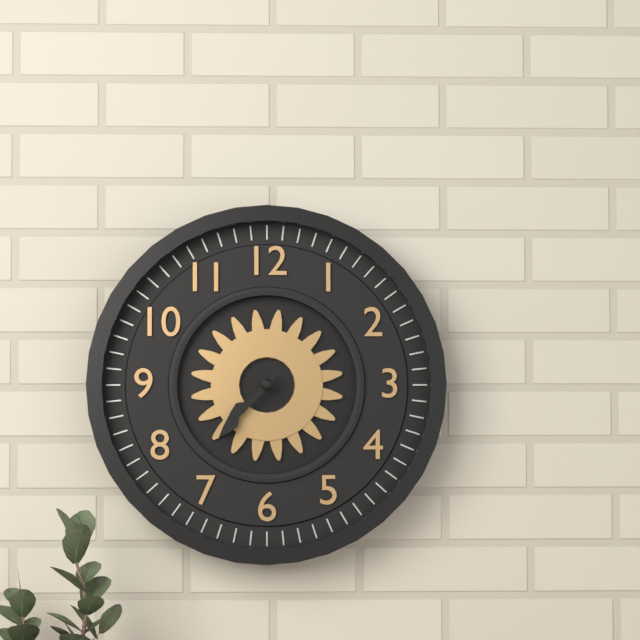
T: 7.37
